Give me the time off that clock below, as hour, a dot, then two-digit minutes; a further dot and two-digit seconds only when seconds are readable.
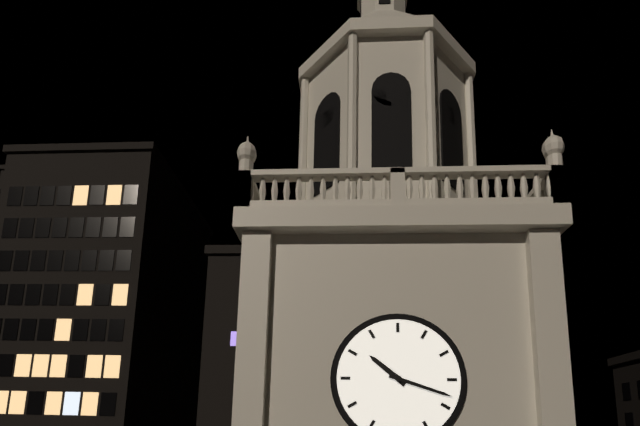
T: 10.18
